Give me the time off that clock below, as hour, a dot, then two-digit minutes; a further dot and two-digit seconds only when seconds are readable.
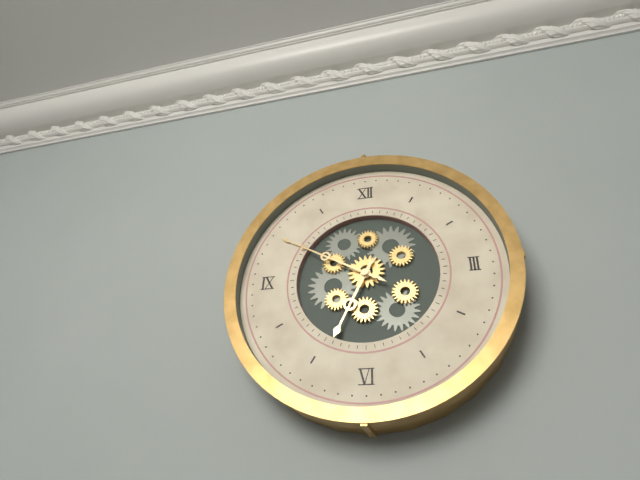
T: 6.50
